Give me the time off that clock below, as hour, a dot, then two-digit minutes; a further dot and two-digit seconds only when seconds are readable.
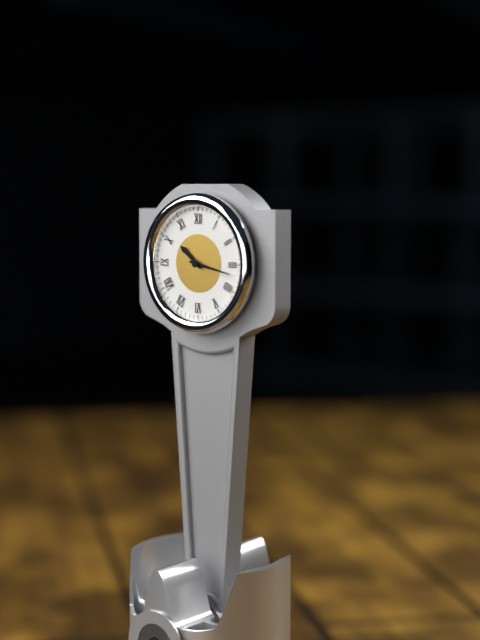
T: 10.17
